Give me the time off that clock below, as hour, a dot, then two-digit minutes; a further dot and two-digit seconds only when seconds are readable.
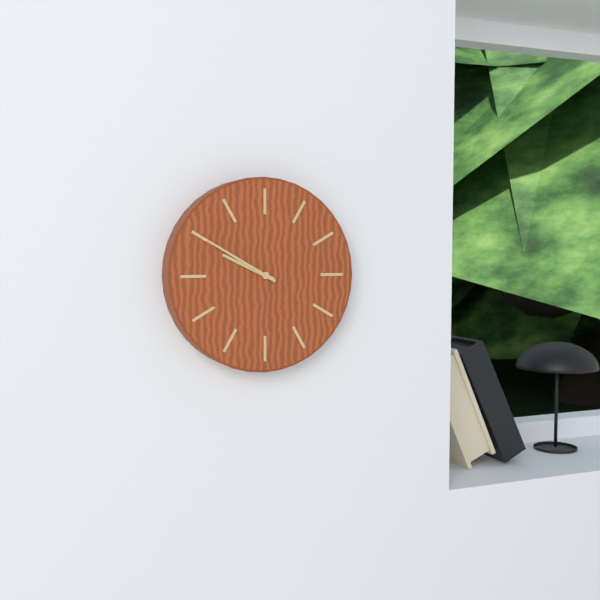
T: 9.50
